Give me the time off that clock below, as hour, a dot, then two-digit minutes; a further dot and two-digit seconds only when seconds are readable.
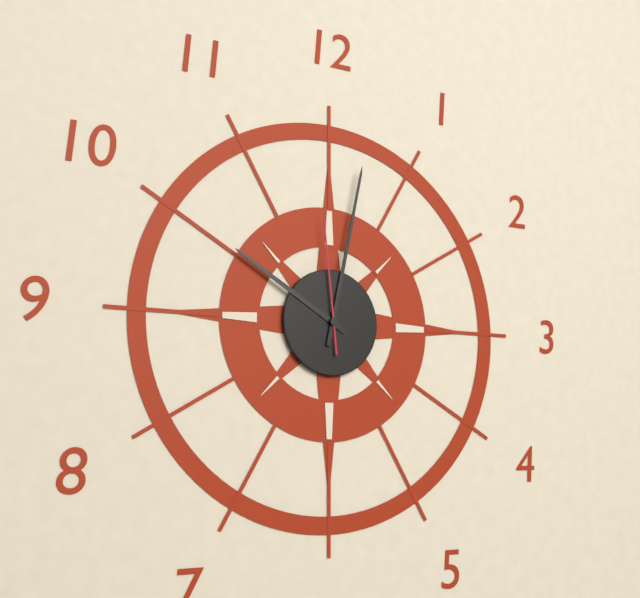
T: 10.02.59
